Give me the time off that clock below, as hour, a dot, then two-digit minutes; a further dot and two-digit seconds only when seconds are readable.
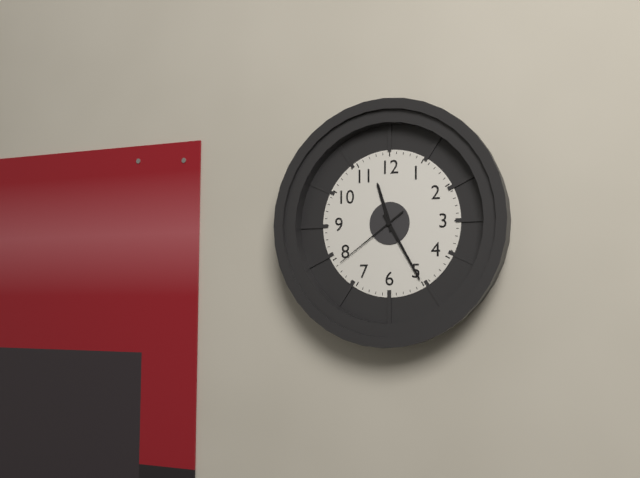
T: 11.25.39
